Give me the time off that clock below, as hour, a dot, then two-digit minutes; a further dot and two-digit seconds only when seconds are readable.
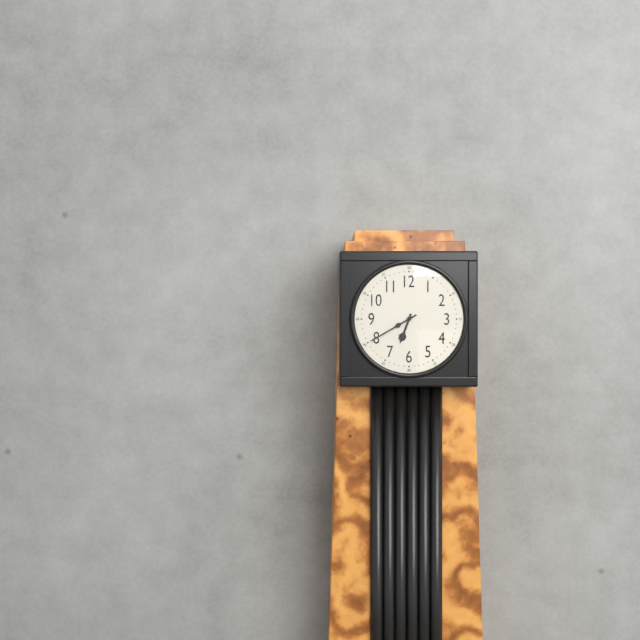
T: 6.40
